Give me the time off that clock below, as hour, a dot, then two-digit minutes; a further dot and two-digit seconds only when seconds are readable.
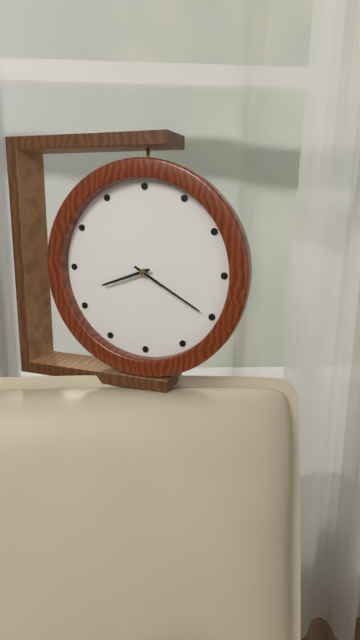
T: 8.20
